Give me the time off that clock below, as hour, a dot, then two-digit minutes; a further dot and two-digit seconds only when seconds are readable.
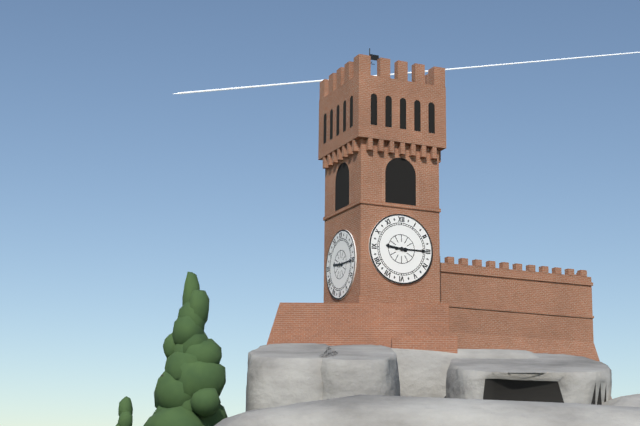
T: 9.15
